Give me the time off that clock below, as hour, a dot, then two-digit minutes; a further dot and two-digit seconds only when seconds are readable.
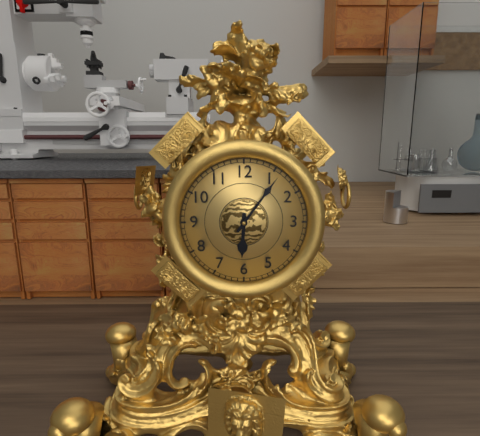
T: 6.06
